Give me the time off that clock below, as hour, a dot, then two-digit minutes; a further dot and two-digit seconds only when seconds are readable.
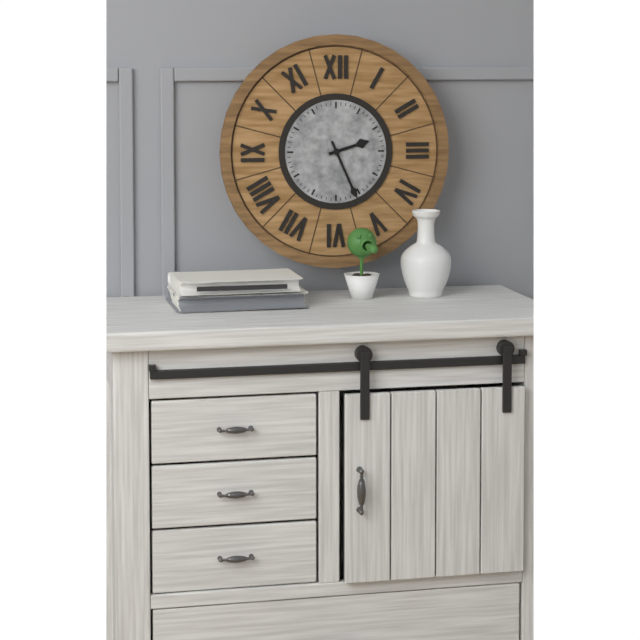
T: 2.26
